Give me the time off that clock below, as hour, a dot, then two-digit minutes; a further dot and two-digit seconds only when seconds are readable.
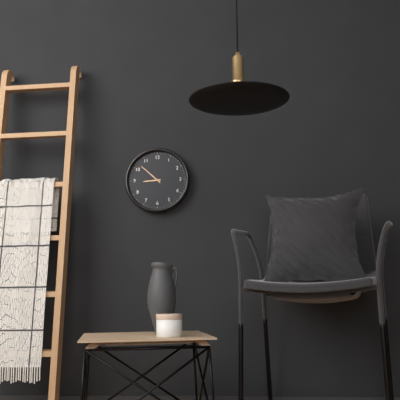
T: 8.52
